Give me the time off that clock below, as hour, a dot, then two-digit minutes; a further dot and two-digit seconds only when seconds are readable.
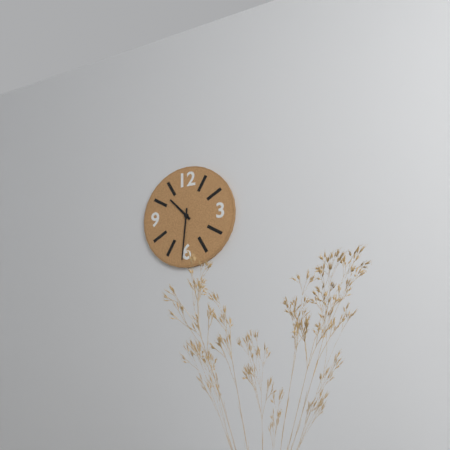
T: 10.31
